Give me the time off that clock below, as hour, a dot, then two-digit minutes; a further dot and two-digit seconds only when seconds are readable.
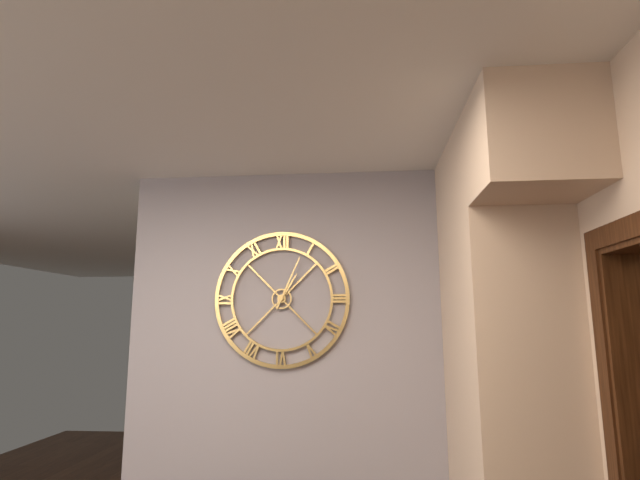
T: 1.04
